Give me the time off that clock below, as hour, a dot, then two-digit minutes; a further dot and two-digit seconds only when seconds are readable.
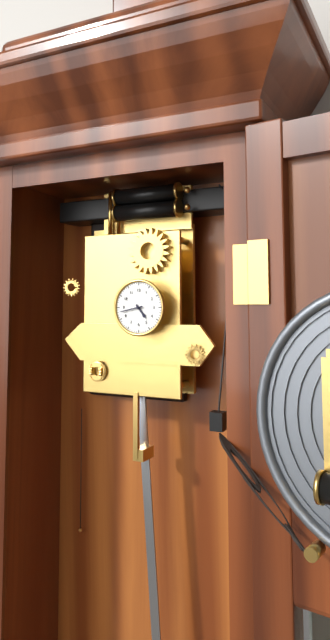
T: 4.43
